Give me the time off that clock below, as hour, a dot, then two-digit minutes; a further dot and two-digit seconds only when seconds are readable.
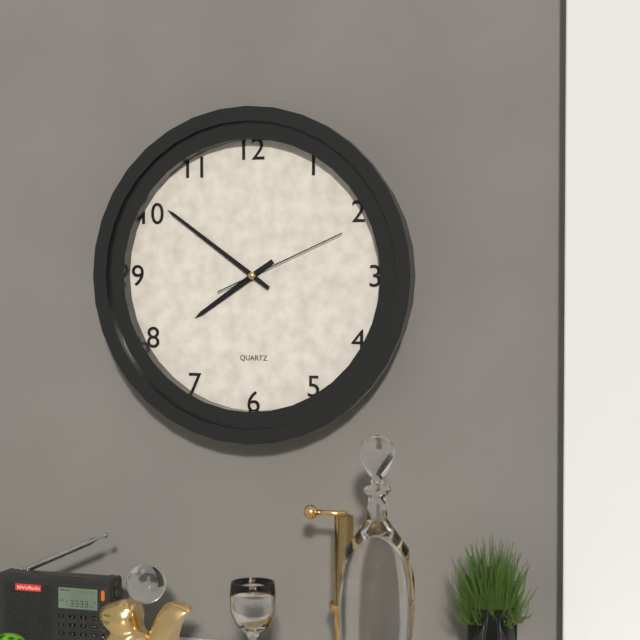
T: 7.51.11
